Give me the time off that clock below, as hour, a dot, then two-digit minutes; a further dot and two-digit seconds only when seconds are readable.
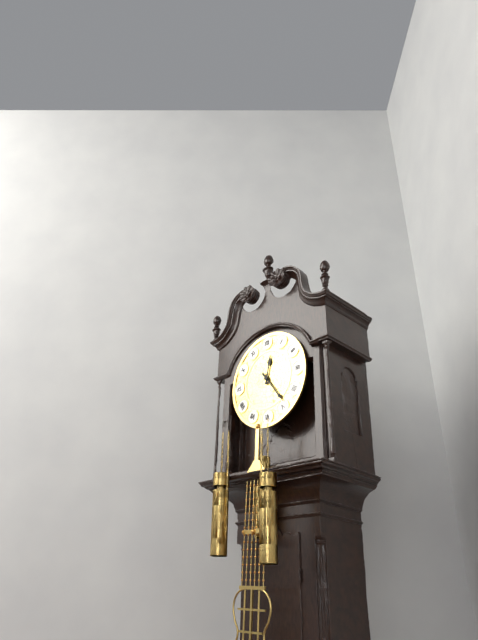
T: 12.24
